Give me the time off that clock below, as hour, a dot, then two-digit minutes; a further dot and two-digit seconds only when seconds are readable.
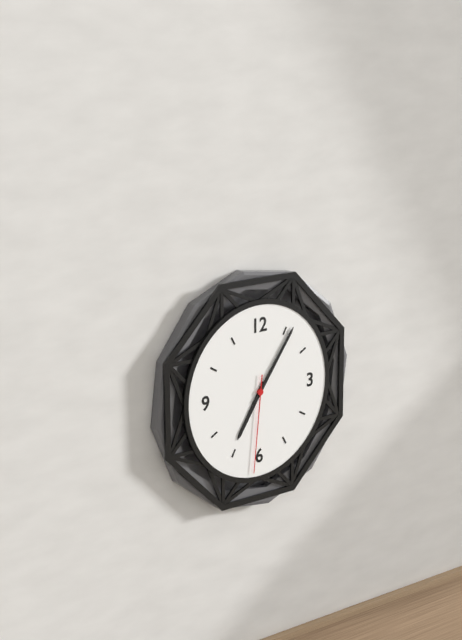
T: 7.06.31
